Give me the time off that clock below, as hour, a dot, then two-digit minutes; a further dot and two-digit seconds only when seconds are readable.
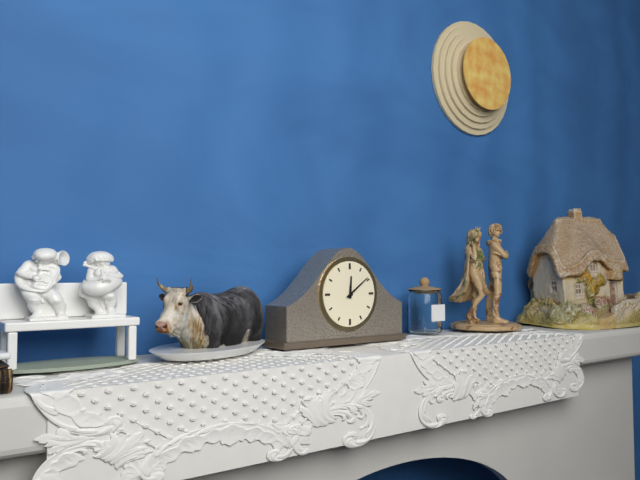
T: 12.09
